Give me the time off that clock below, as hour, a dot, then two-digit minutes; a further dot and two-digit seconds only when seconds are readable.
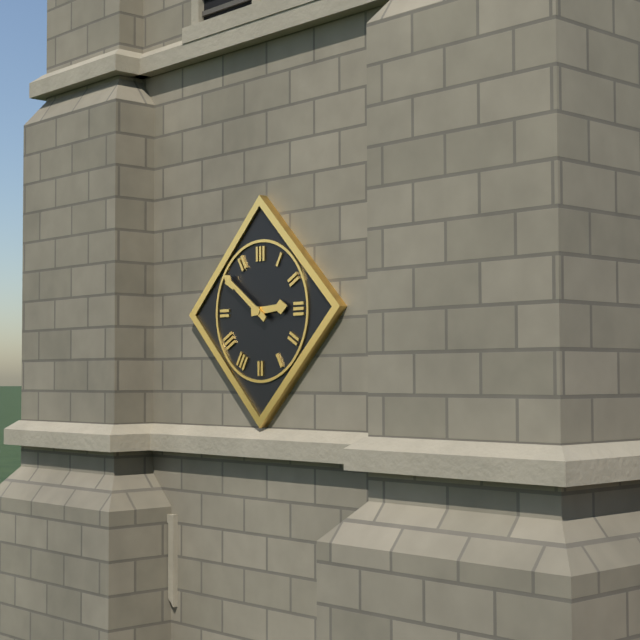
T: 2.51
